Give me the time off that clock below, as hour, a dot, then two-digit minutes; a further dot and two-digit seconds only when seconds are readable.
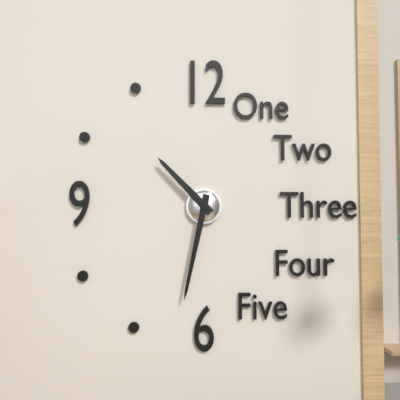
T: 10.32
